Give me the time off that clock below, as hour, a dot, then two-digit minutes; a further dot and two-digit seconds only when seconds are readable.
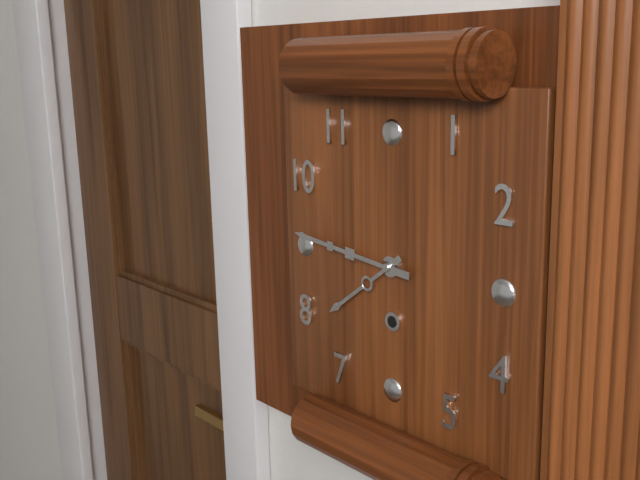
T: 7.46
